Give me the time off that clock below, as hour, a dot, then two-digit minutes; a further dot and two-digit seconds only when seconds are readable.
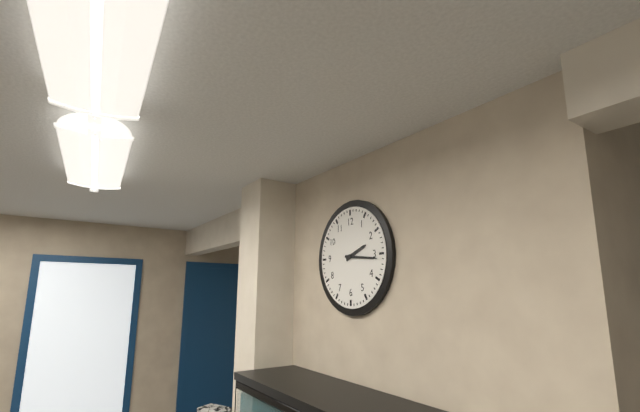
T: 2.16
